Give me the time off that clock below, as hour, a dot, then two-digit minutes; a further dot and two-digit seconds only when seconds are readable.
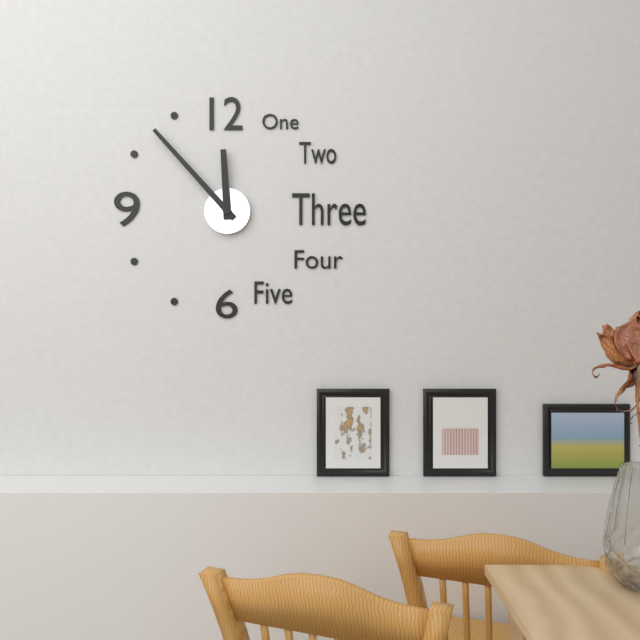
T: 11.53
